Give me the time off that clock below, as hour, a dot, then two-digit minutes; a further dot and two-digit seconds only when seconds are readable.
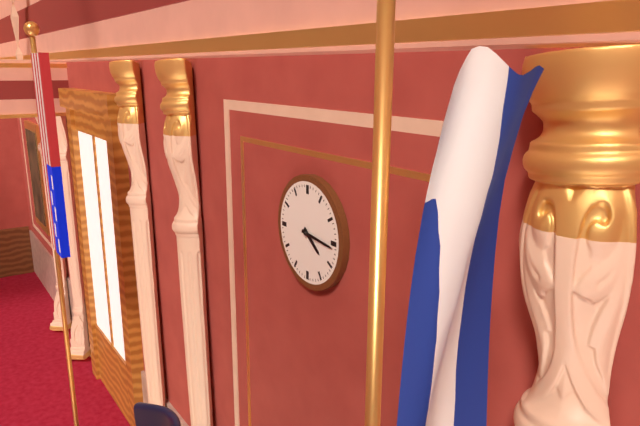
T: 4.16
